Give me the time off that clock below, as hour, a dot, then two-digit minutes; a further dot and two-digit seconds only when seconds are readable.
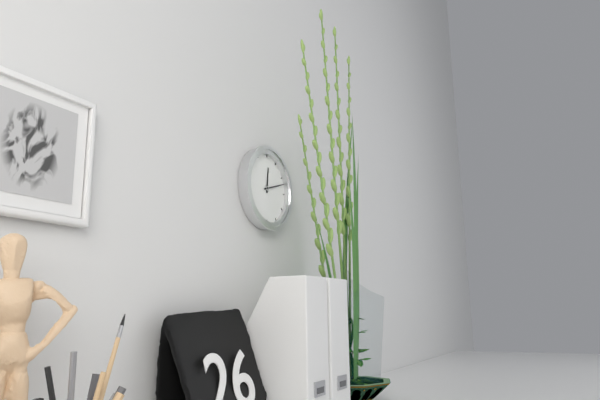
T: 12.12
